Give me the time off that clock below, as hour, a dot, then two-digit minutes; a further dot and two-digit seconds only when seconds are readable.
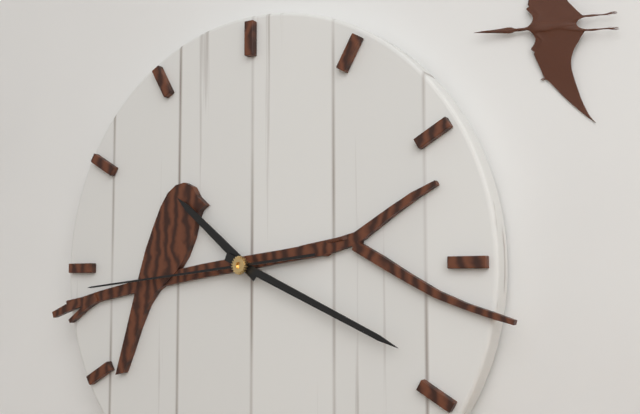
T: 10.19.44
